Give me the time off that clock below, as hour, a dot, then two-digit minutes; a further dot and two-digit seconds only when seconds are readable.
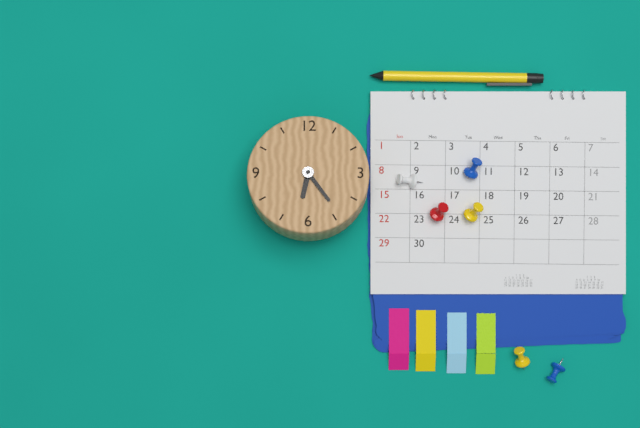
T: 6.24
